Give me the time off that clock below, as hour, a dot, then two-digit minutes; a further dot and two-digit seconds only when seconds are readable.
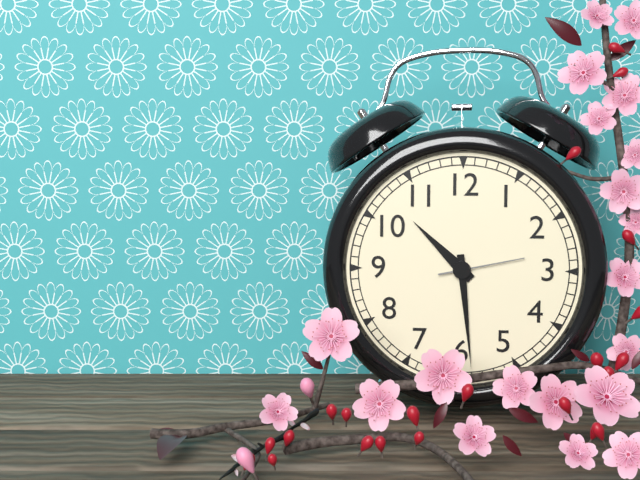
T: 10.29.13
